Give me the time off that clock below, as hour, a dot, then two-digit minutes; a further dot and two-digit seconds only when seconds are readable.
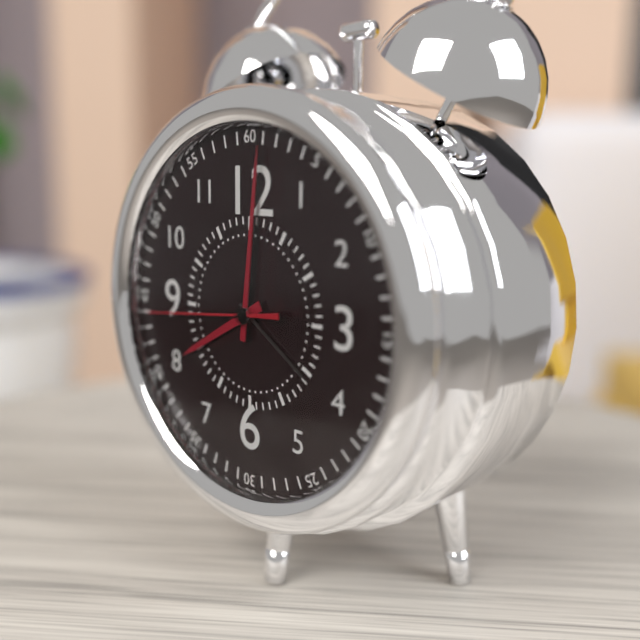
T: 8.01.44
